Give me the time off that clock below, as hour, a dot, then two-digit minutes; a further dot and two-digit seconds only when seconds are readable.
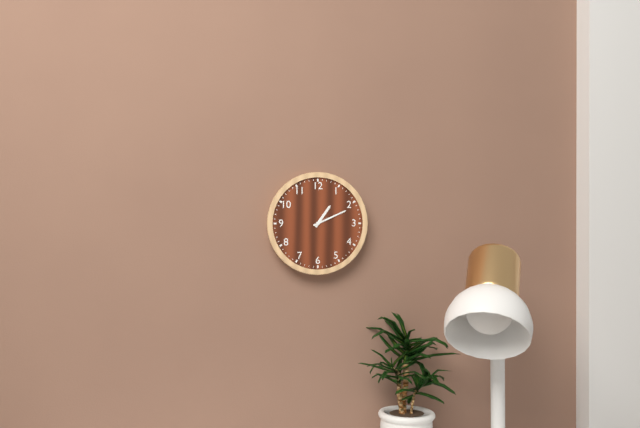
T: 1.11
